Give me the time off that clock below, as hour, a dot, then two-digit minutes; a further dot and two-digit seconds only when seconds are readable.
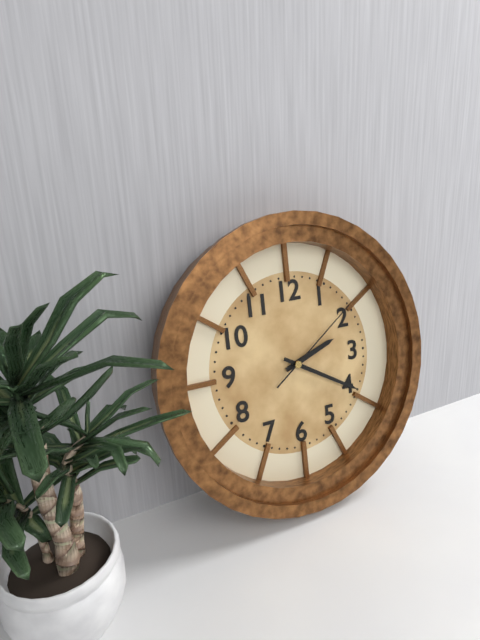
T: 2.20.09
